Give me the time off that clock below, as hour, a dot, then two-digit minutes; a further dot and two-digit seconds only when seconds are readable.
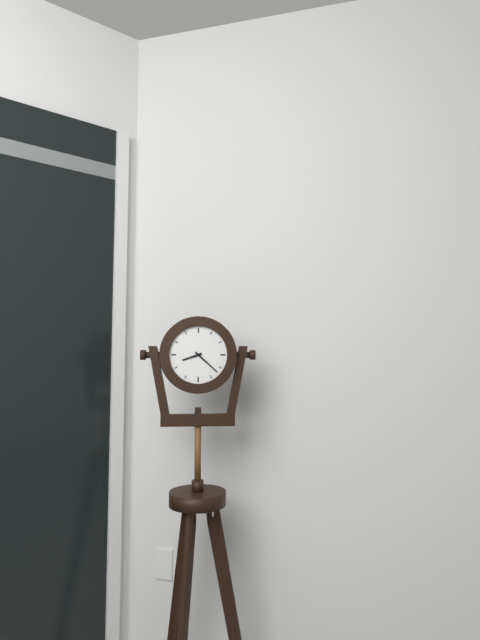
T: 8.22
